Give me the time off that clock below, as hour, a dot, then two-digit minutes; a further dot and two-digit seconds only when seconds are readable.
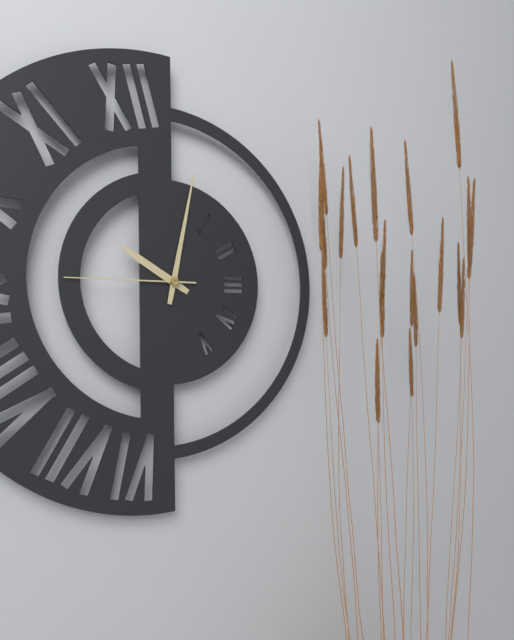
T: 10.02.45
